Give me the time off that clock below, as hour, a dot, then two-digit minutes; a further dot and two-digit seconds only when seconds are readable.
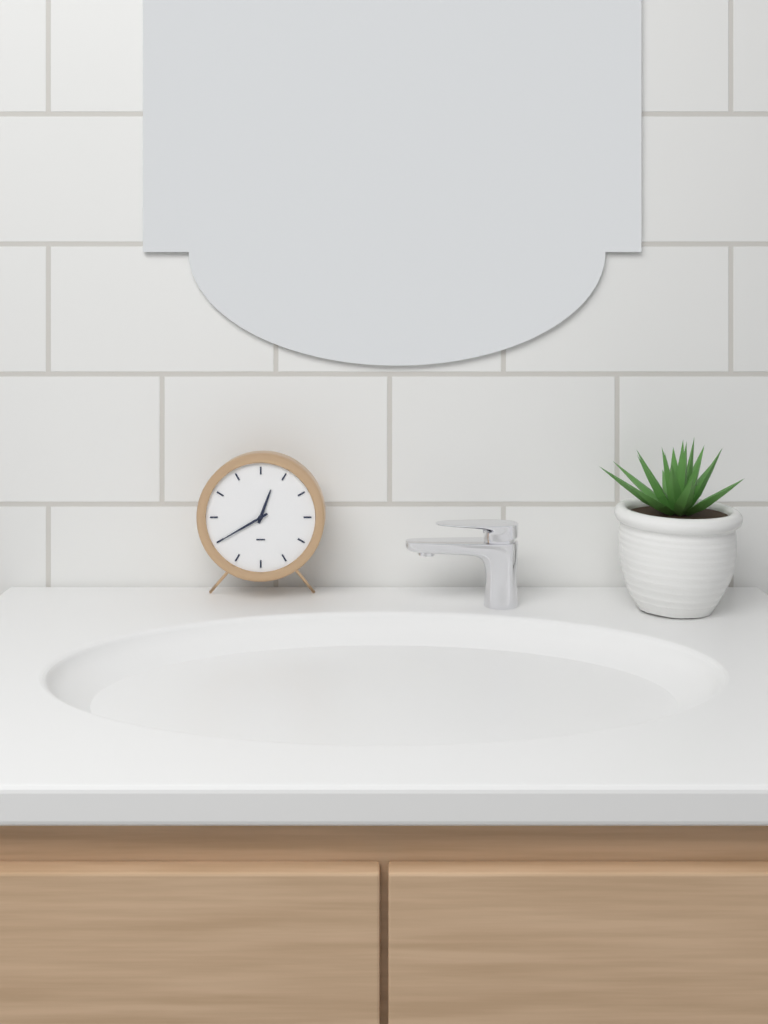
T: 12.40
